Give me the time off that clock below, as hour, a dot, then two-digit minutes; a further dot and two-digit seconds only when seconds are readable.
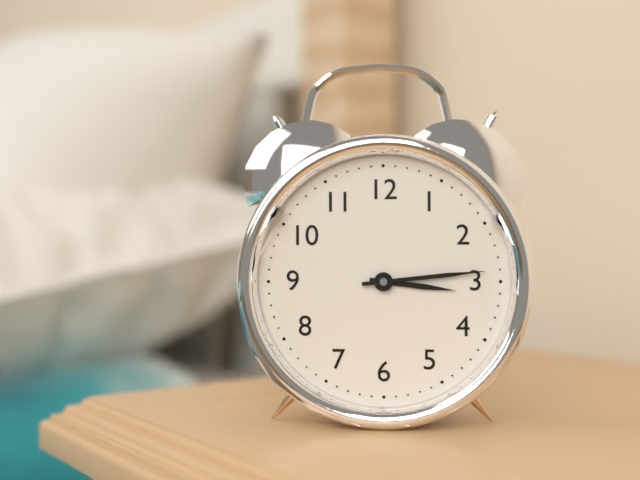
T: 3.14
